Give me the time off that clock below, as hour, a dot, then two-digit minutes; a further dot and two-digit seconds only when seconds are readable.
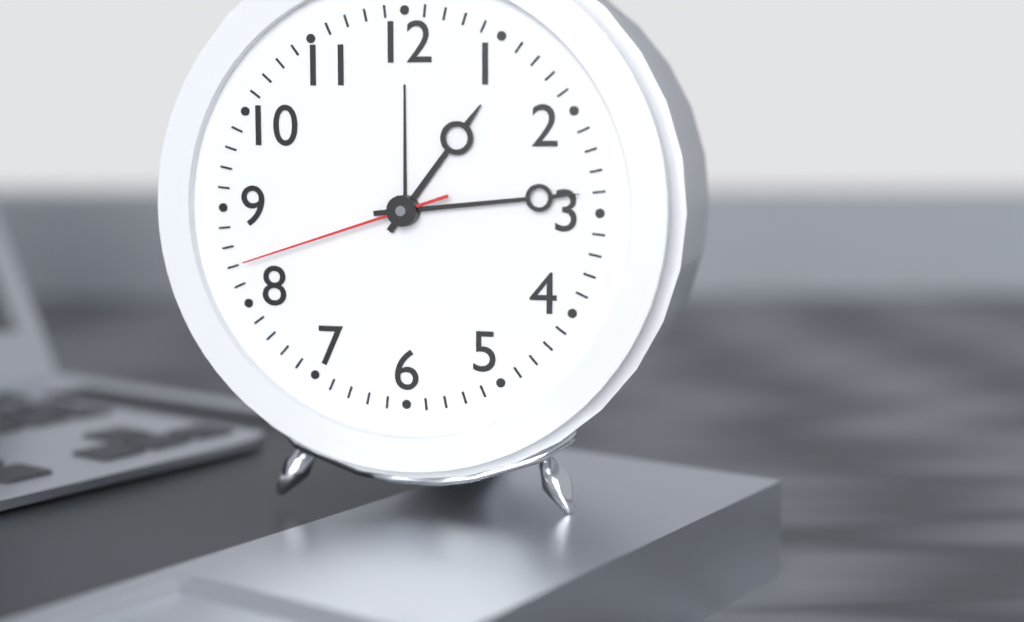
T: 1.14.42
